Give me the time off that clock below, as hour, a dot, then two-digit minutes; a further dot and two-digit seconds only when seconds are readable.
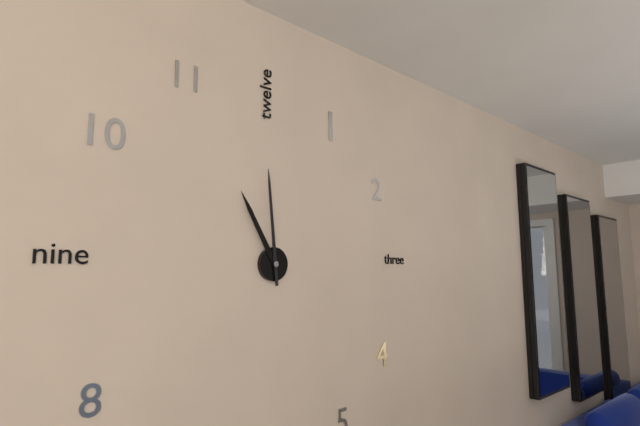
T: 10.59
